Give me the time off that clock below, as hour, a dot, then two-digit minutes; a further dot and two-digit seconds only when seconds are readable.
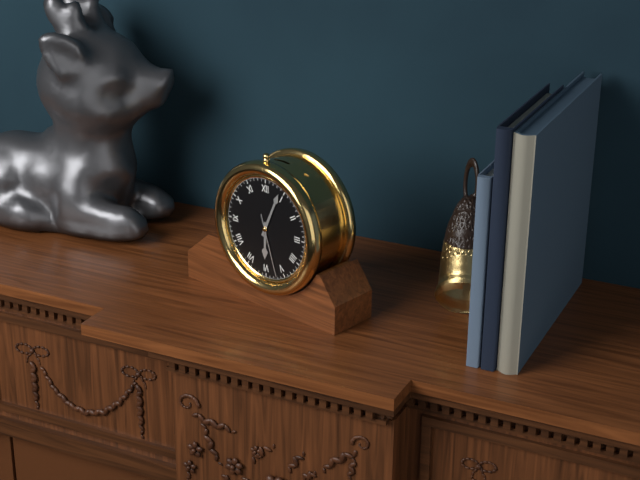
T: 6.04.27
